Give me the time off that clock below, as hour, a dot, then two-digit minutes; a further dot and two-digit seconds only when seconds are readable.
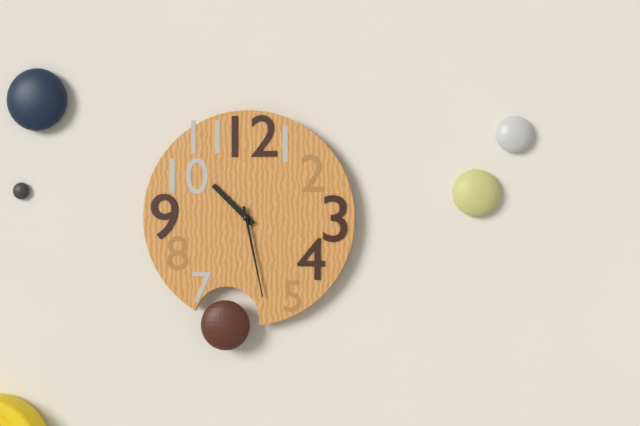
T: 10.28
